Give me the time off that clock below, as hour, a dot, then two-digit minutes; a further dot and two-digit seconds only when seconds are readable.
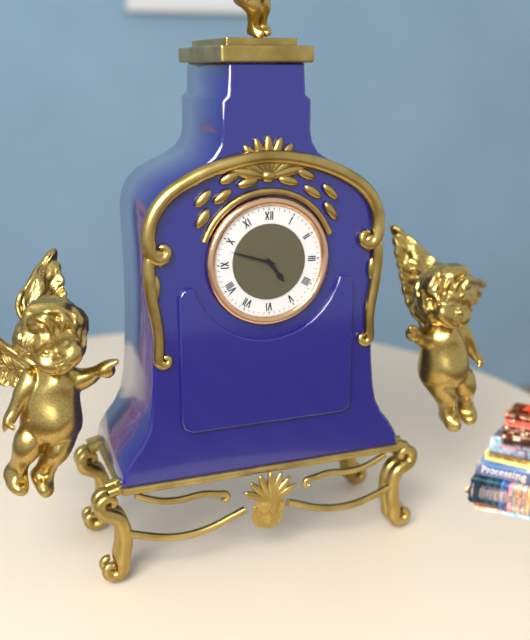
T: 4.48
